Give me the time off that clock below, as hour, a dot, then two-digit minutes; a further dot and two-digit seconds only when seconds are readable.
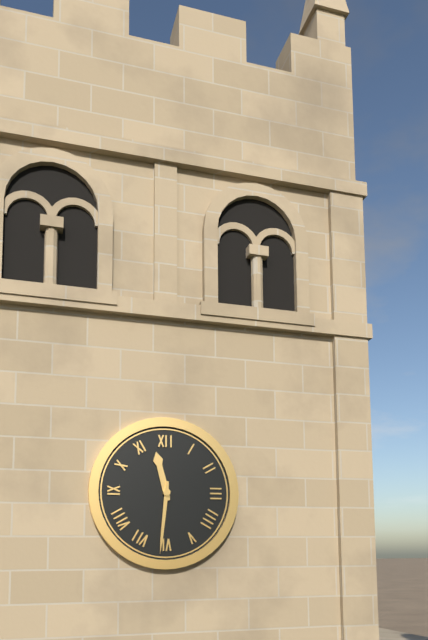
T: 11.31
